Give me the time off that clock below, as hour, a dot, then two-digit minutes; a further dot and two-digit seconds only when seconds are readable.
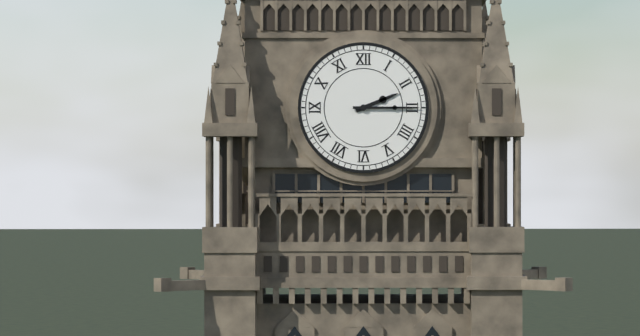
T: 2.15
